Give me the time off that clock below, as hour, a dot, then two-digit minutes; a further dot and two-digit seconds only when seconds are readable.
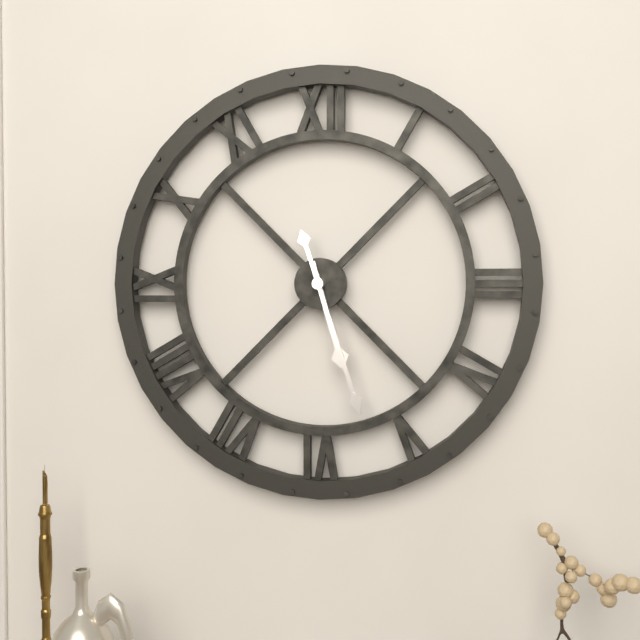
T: 5.27
